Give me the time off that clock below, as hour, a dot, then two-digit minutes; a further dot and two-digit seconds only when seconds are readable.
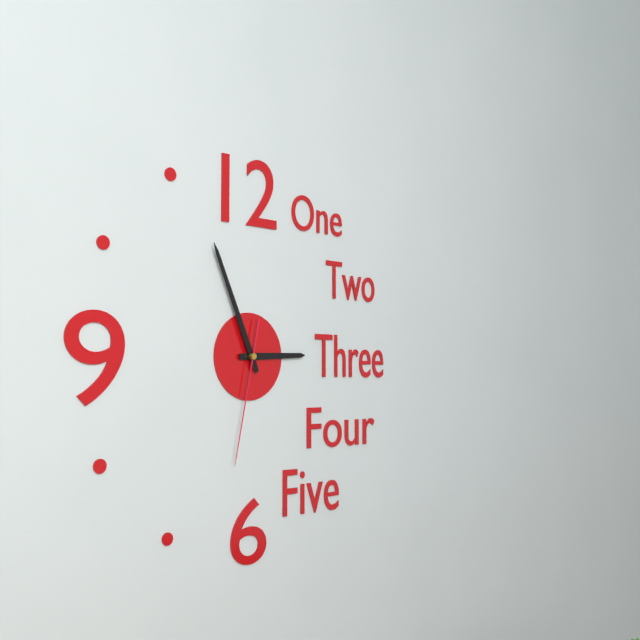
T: 2.56.32
